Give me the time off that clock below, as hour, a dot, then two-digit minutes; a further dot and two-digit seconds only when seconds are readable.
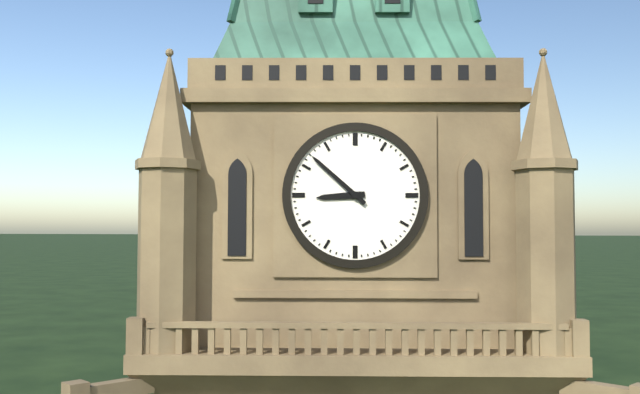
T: 8.52
